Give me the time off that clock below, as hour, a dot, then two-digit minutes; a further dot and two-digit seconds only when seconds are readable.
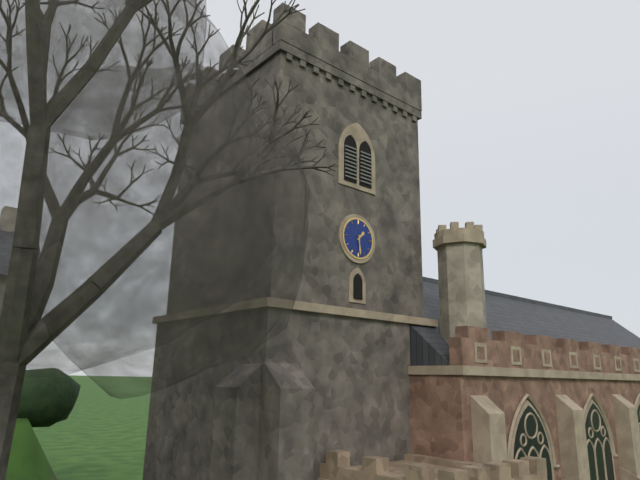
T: 1.29
